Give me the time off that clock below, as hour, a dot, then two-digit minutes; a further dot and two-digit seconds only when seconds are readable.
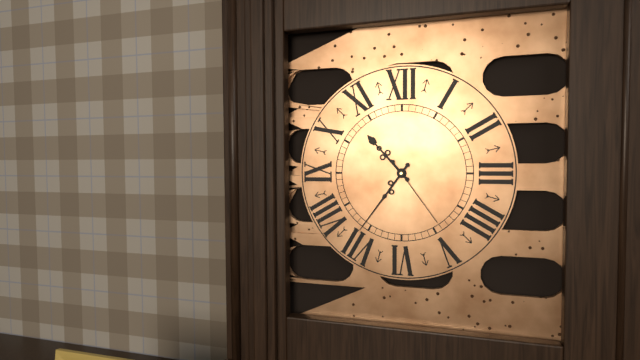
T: 10.36.24
